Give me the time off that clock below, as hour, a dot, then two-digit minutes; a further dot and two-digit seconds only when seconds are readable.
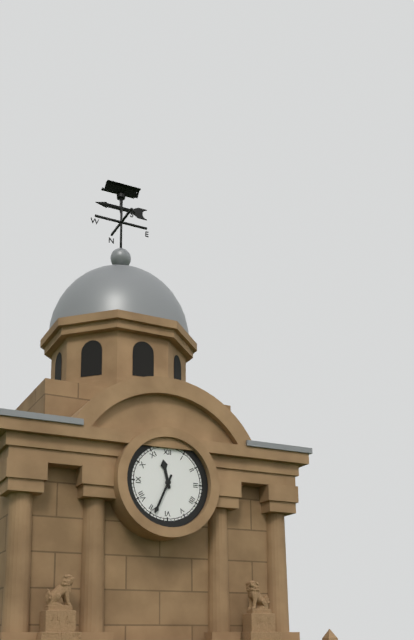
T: 11.34
